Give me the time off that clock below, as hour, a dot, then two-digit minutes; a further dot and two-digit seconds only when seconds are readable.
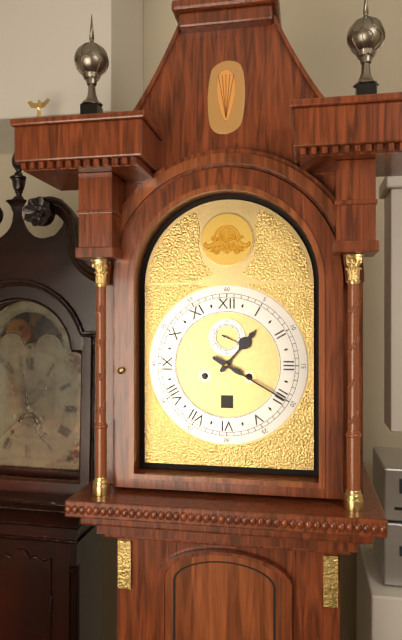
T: 1.20
